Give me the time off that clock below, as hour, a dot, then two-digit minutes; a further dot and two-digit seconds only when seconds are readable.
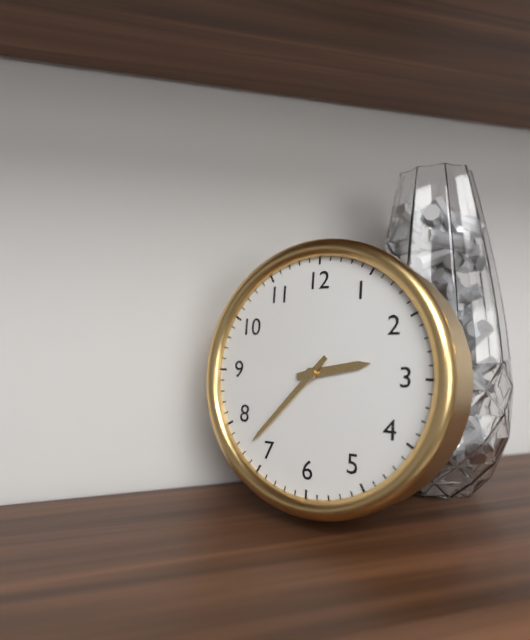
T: 2.37
